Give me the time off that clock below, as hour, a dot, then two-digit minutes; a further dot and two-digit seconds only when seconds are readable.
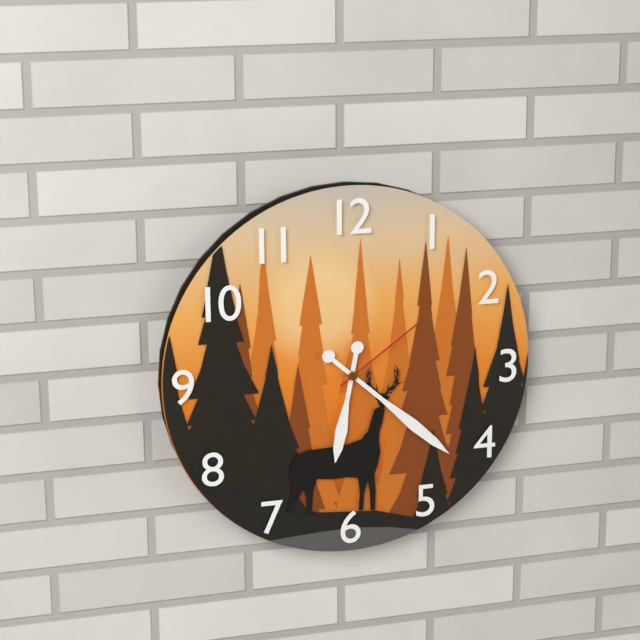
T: 6.22.09
